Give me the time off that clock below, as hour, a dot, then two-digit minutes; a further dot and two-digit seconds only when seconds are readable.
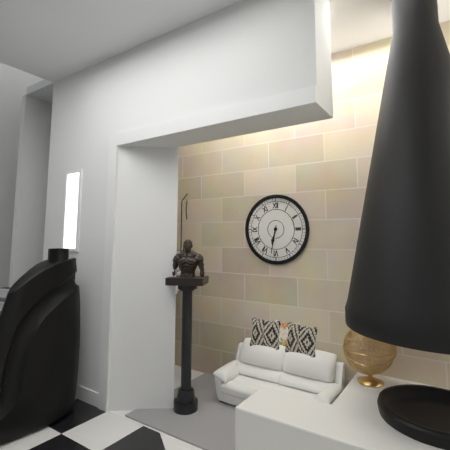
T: 6.32
